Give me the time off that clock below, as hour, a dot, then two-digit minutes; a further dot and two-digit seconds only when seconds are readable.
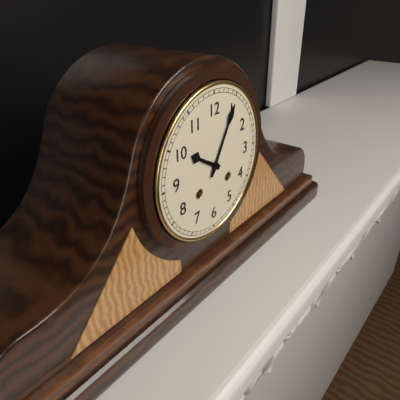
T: 10.05
